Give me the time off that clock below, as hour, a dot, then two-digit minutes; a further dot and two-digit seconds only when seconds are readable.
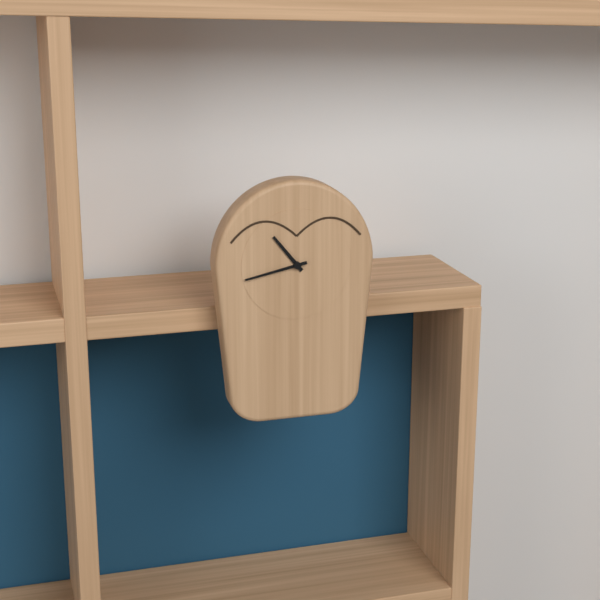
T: 10.43
